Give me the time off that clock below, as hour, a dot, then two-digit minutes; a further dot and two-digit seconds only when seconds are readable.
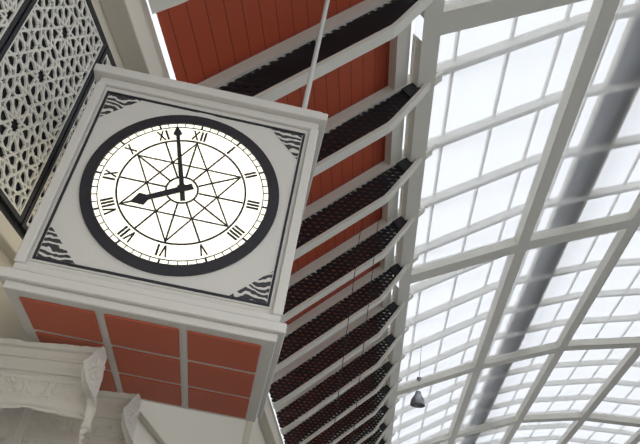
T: 7.57
